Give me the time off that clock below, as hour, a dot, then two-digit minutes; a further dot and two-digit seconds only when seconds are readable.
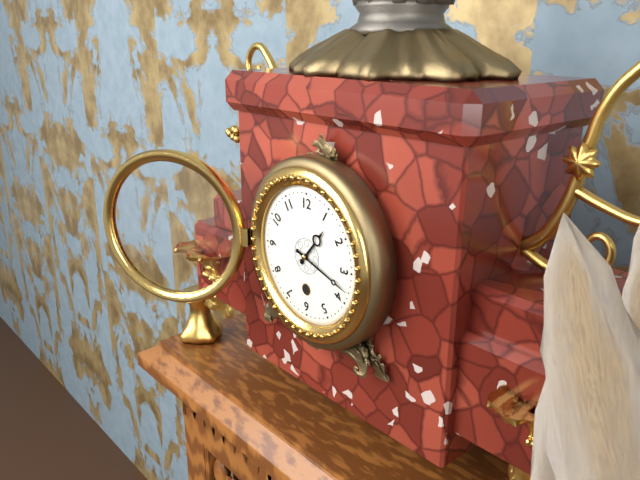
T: 1.18
